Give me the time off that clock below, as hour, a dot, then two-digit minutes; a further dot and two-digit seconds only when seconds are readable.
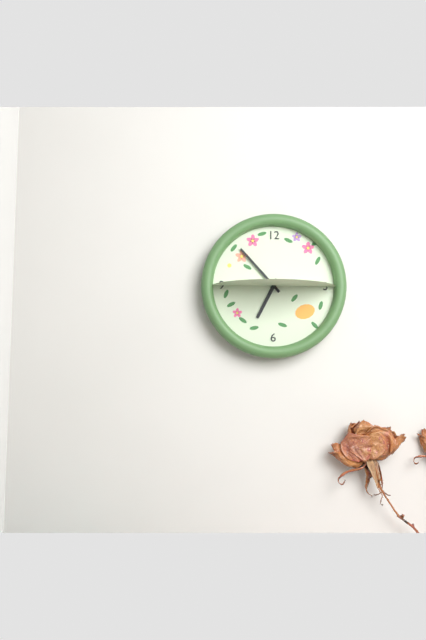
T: 6.53
